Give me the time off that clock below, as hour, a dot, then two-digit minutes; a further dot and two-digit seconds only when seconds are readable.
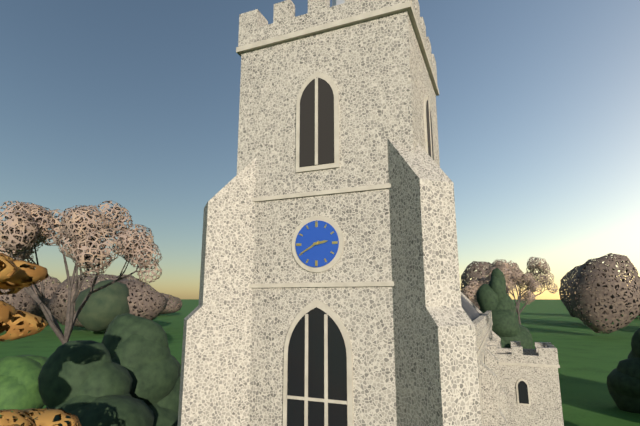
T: 2.40
